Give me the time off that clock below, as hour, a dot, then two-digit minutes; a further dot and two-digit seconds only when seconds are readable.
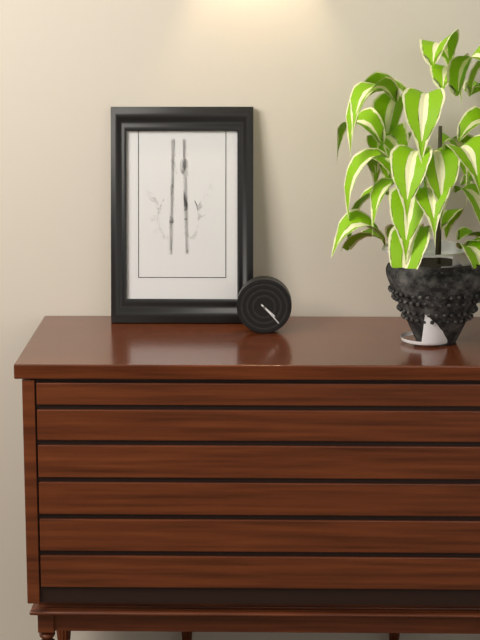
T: 4.23
